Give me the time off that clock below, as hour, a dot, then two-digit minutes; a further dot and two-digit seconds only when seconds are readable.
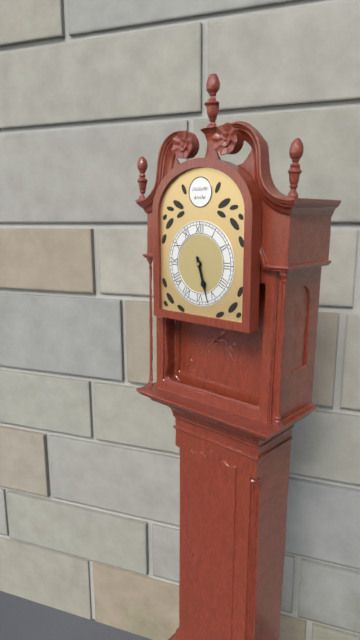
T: 5.27
